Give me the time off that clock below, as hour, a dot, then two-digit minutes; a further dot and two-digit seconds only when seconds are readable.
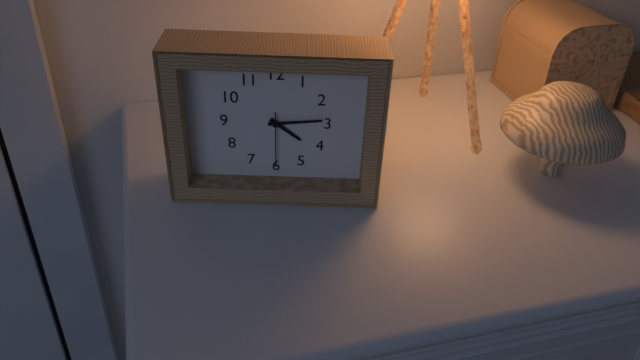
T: 4.14.30
